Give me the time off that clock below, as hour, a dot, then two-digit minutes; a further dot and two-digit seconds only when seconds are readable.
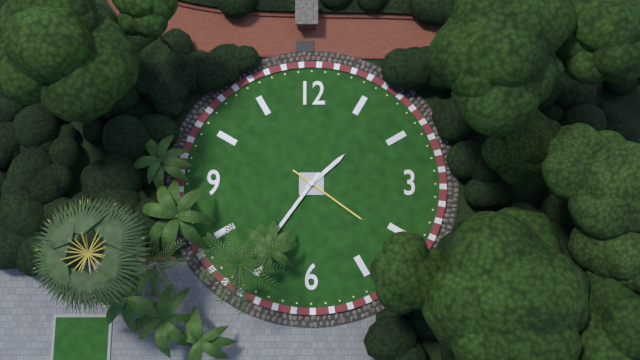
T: 1.36.21
